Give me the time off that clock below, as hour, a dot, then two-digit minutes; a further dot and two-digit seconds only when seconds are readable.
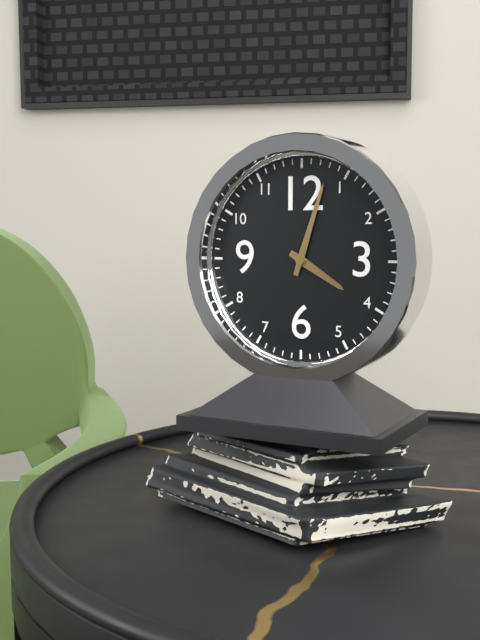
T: 4.03
